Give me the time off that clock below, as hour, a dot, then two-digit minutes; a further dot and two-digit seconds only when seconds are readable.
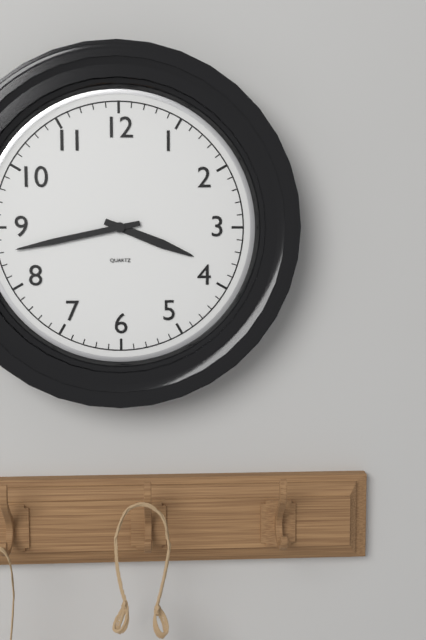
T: 3.43
